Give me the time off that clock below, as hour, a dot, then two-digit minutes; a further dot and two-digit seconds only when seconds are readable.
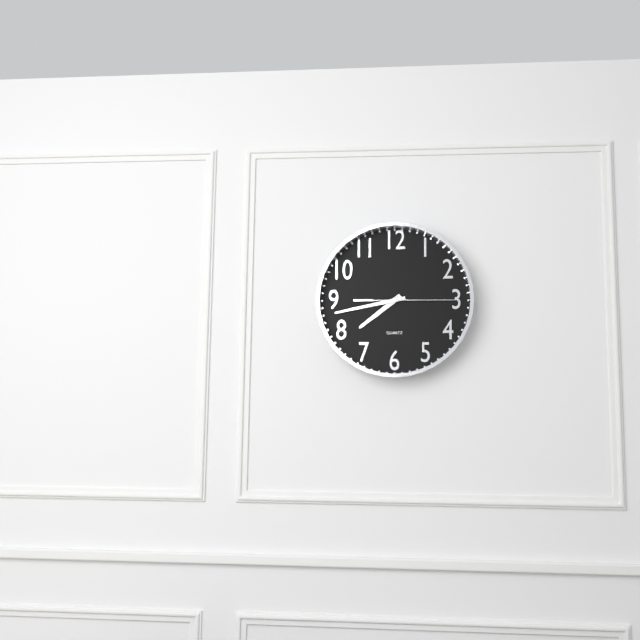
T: 7.43.15
